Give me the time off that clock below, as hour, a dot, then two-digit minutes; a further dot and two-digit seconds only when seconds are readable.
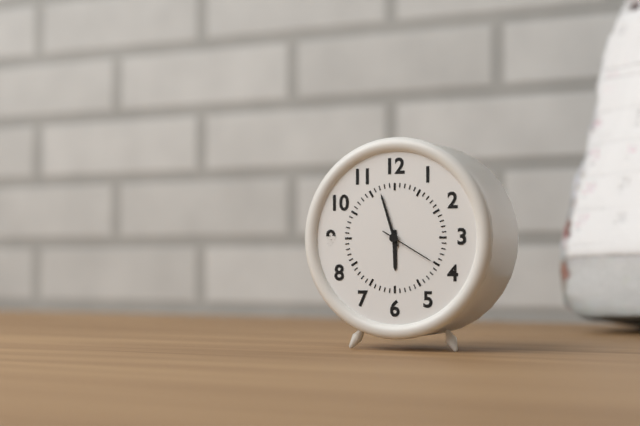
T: 5.57.20
